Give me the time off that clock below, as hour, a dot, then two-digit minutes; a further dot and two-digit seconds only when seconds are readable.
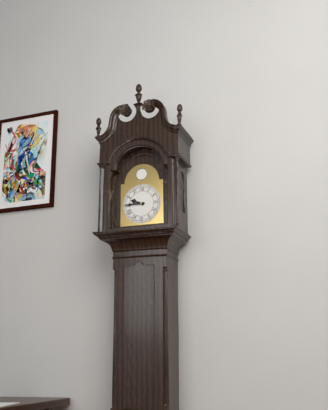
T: 9.45
